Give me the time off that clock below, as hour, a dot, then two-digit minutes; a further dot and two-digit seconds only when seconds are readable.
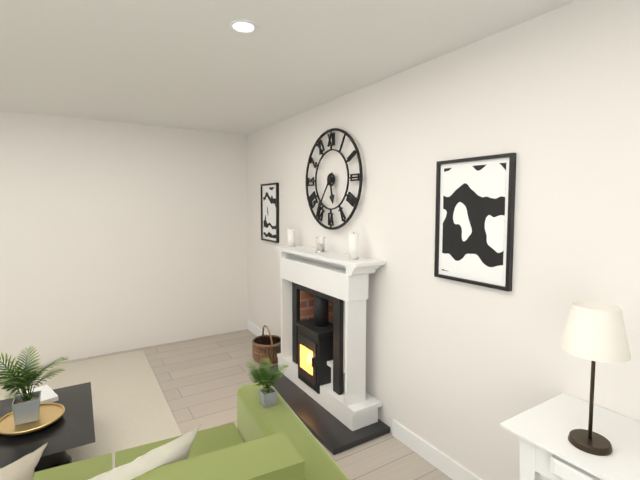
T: 5.36
